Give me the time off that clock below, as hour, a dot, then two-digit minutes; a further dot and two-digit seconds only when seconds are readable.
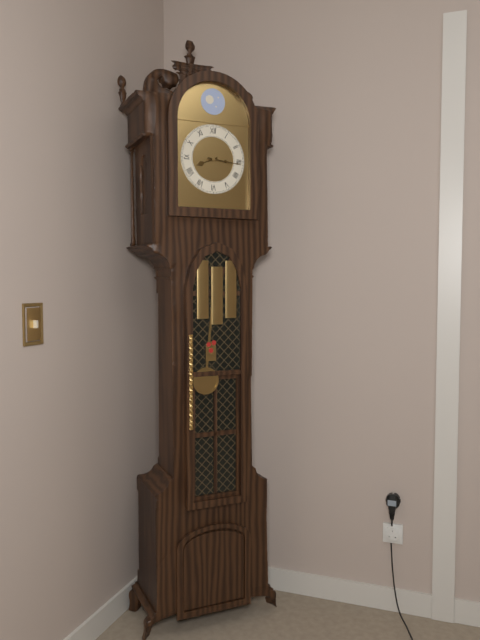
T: 8.16
